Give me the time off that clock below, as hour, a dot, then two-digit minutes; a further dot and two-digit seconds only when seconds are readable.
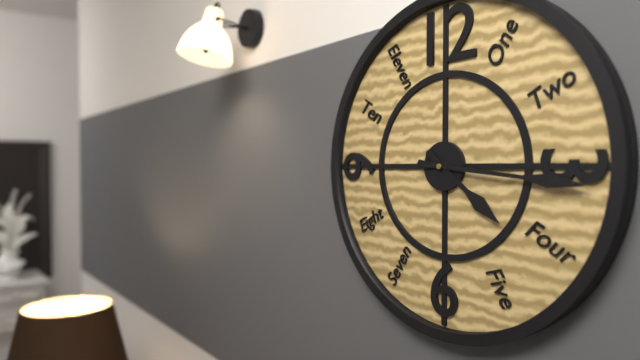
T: 4.16
